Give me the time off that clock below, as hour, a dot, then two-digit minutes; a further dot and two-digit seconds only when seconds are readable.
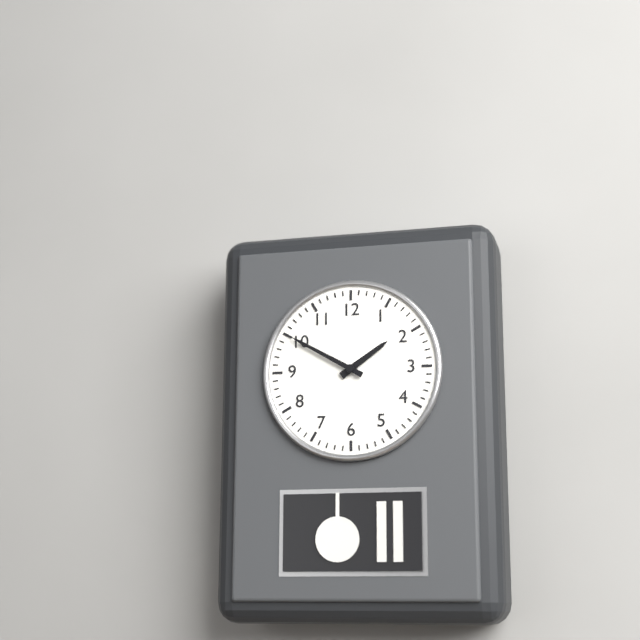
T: 1.50
